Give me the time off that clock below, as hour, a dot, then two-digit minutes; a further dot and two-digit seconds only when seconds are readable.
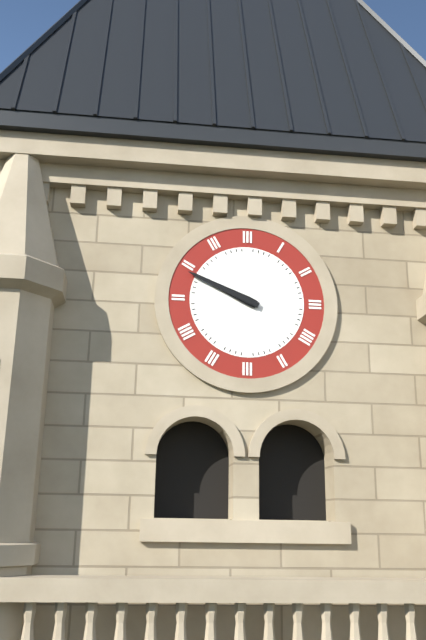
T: 9.49
